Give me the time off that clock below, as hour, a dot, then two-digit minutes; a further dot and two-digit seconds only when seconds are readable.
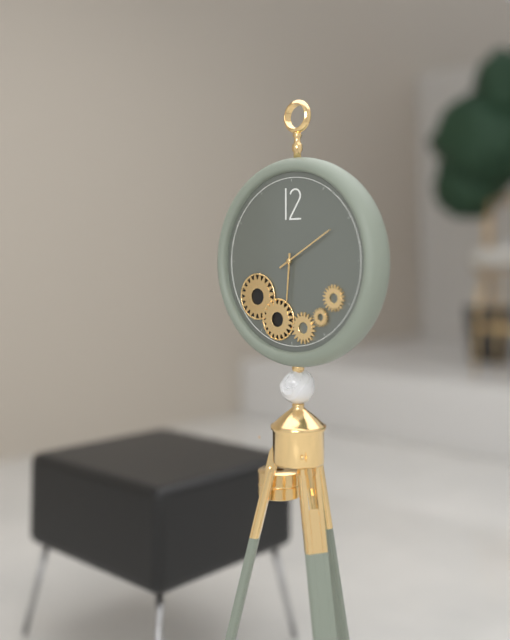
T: 6.10
